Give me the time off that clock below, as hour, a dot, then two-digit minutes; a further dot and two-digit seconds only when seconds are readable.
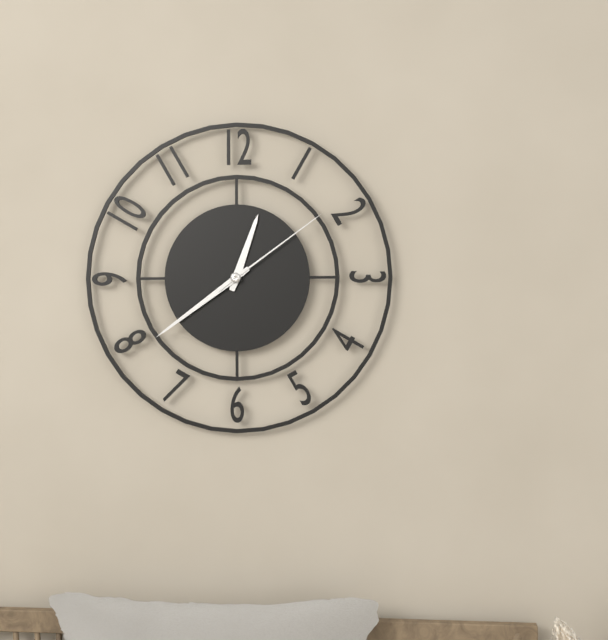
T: 12.39.09
